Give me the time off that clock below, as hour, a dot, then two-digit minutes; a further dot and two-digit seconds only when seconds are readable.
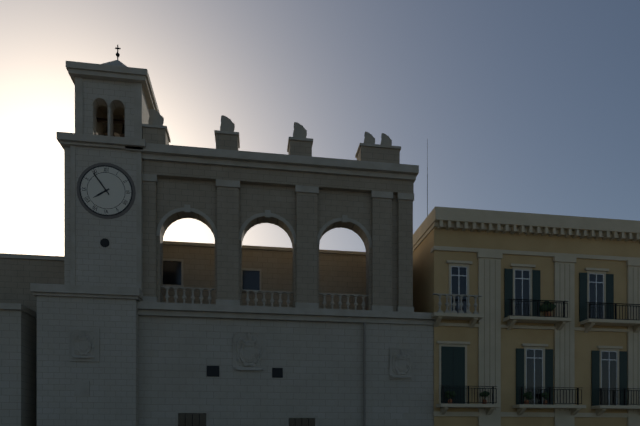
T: 7.54
